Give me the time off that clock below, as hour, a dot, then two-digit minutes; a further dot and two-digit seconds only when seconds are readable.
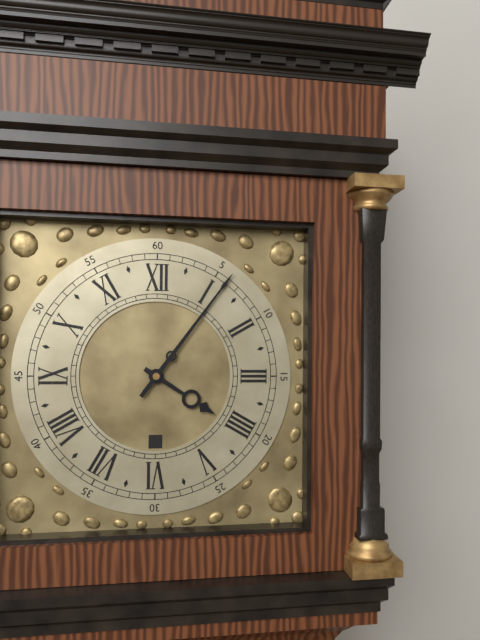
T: 4.06
